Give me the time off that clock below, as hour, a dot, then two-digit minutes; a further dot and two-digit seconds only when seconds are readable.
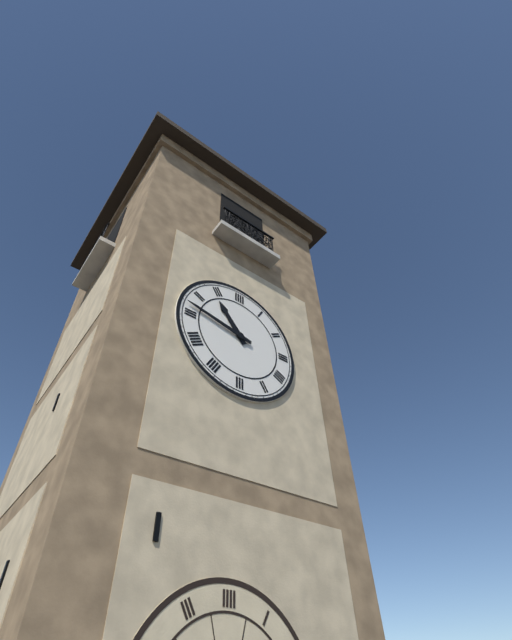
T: 10.47
